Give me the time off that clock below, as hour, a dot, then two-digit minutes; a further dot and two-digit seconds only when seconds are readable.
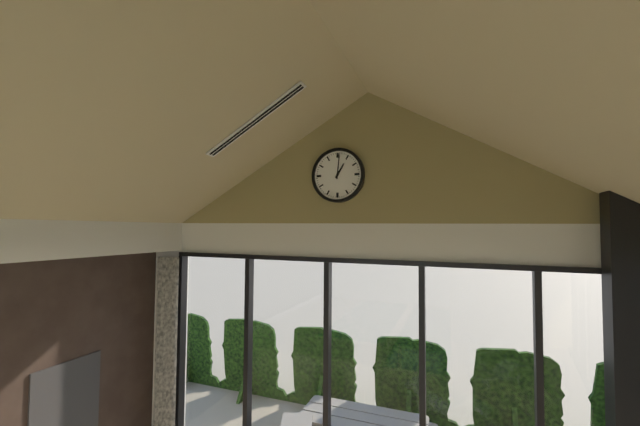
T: 1.01
